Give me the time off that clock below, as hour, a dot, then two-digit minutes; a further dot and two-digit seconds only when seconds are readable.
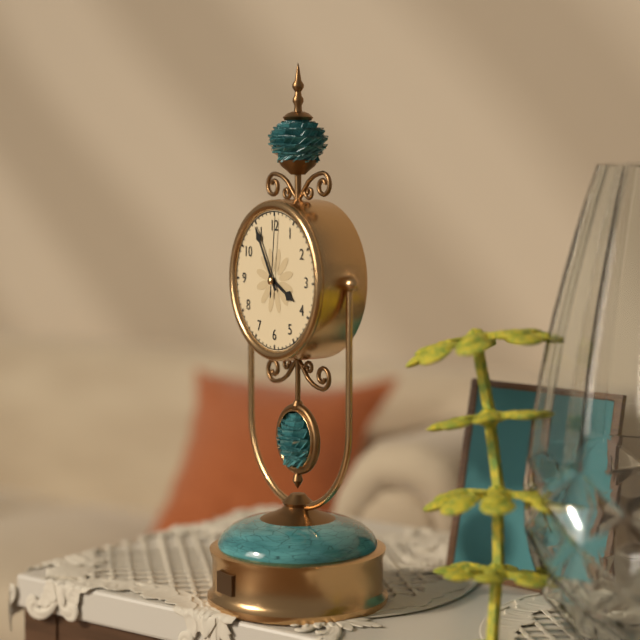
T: 3.55.01
